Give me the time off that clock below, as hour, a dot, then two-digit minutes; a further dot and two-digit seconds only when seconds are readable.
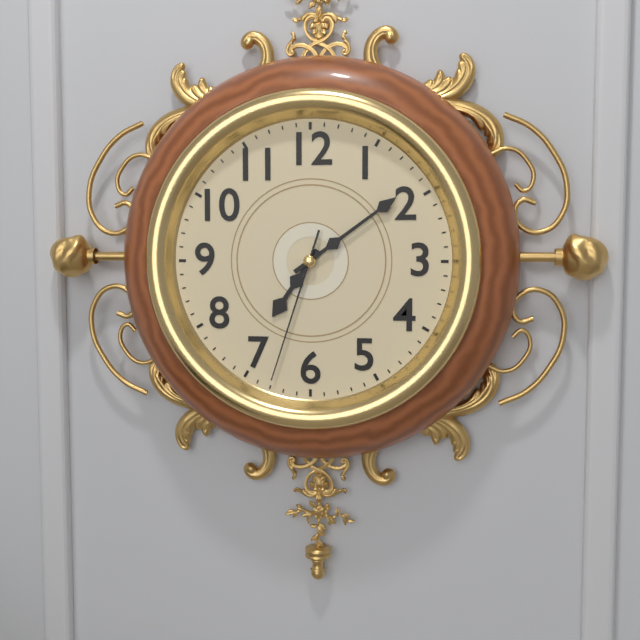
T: 7.09.33
